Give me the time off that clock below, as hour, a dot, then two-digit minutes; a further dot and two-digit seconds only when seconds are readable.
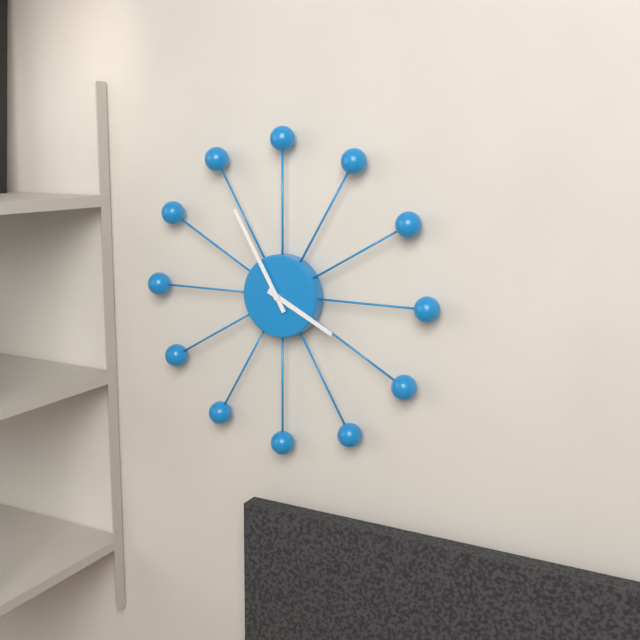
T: 3.55
